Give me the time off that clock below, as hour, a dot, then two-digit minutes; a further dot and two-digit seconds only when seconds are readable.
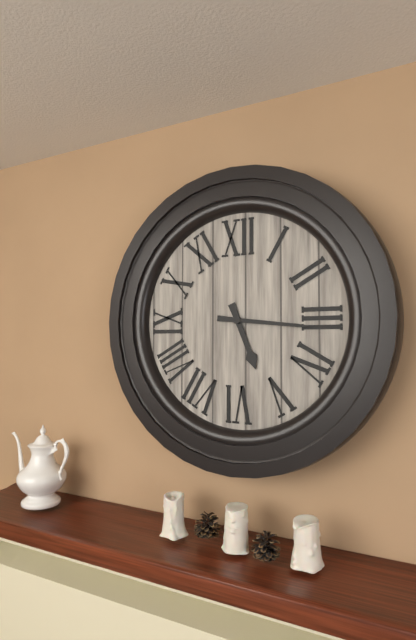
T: 5.16
